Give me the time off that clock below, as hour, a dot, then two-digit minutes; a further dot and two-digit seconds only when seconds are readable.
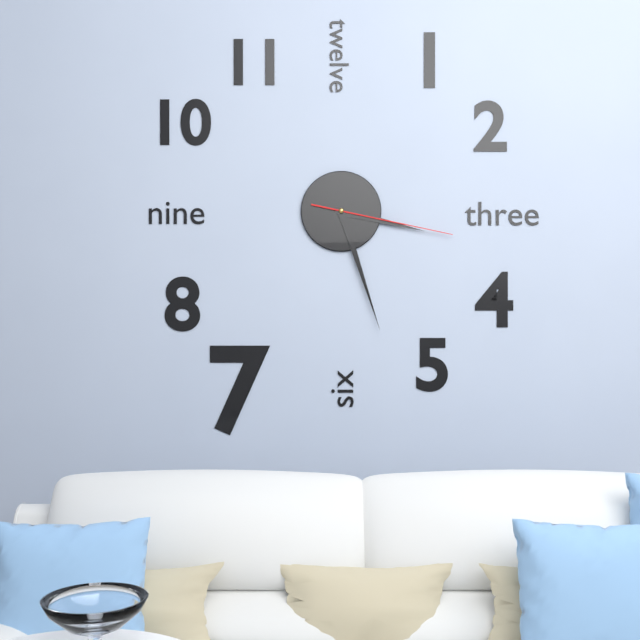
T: 3.27.17
